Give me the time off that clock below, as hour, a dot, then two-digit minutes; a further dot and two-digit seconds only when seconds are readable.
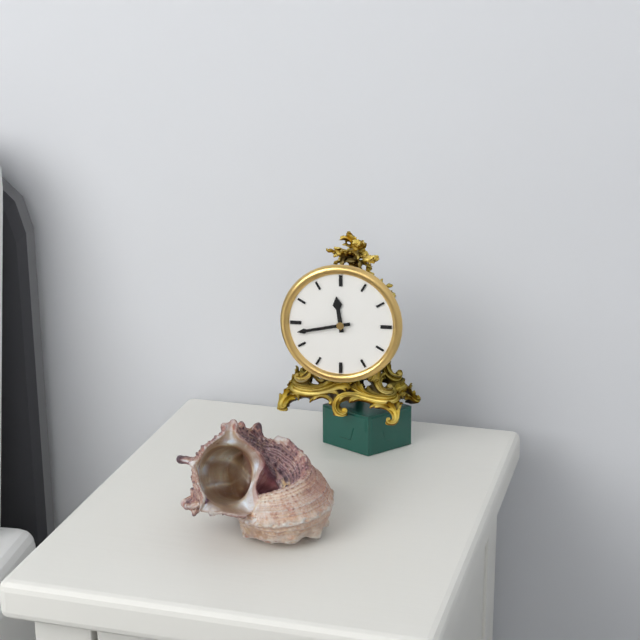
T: 11.43
